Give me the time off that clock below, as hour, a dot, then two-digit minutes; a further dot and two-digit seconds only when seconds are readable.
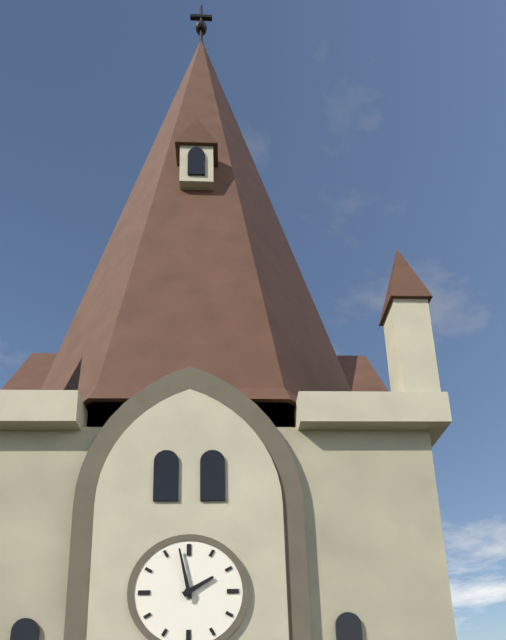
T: 1.58
